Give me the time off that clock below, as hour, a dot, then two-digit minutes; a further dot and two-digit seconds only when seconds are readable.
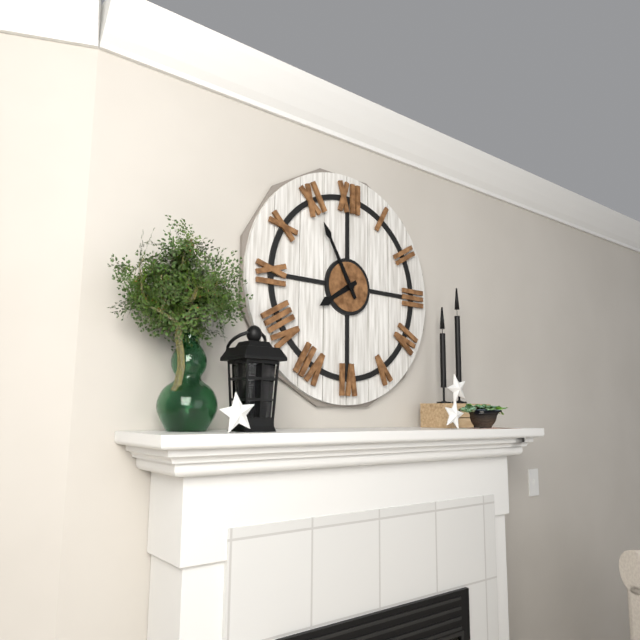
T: 7.55
